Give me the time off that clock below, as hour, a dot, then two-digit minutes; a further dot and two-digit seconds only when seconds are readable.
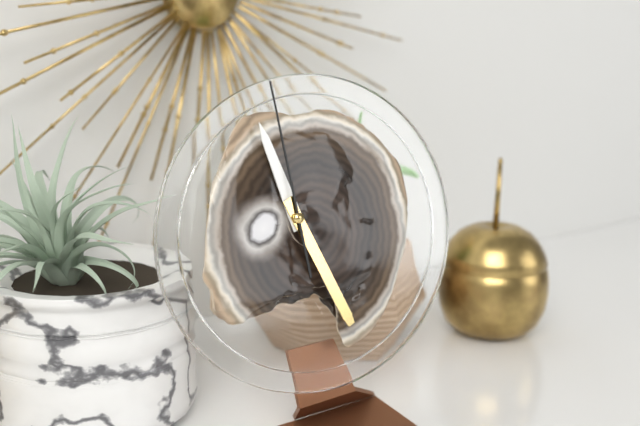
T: 11.26.59
